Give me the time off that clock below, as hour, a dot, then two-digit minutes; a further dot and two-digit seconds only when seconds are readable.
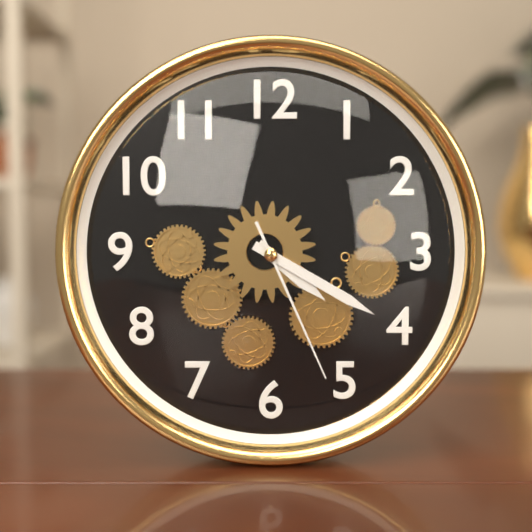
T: 4.20.26
